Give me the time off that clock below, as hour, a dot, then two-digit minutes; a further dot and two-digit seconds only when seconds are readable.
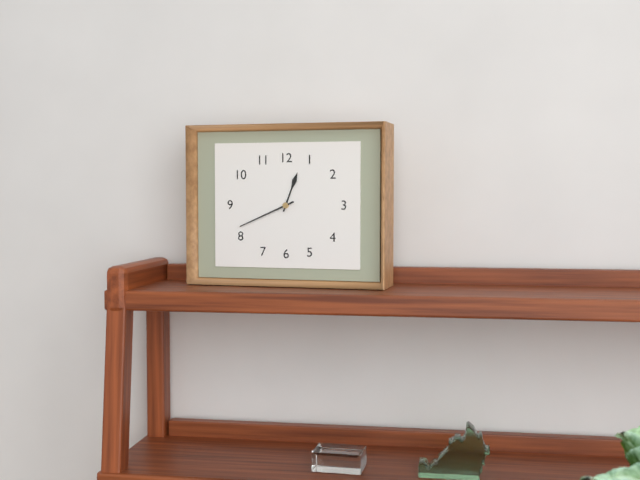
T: 12.41
